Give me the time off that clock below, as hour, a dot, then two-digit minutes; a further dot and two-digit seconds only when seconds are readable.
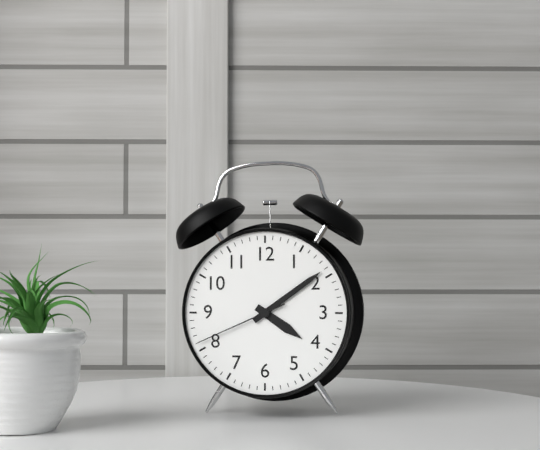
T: 4.09.41
